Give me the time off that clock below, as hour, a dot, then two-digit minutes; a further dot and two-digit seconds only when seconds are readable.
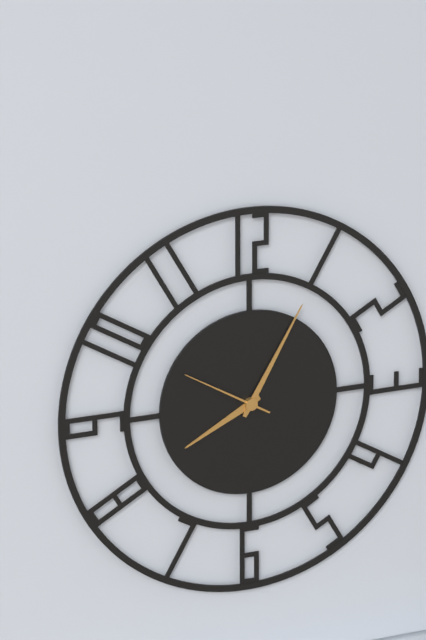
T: 8.05.50
